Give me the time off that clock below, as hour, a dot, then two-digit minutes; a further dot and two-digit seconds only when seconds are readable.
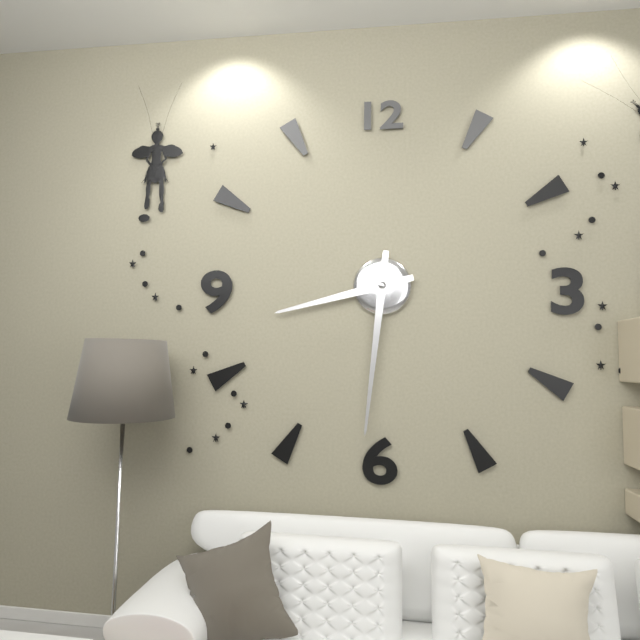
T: 8.31
